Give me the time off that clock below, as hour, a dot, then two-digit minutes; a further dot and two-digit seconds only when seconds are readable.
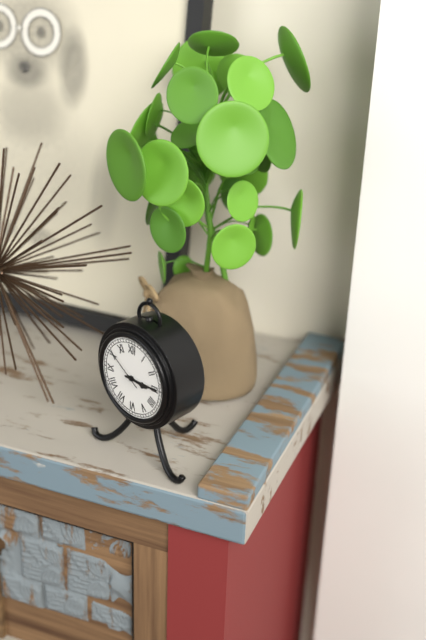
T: 3.15.51
